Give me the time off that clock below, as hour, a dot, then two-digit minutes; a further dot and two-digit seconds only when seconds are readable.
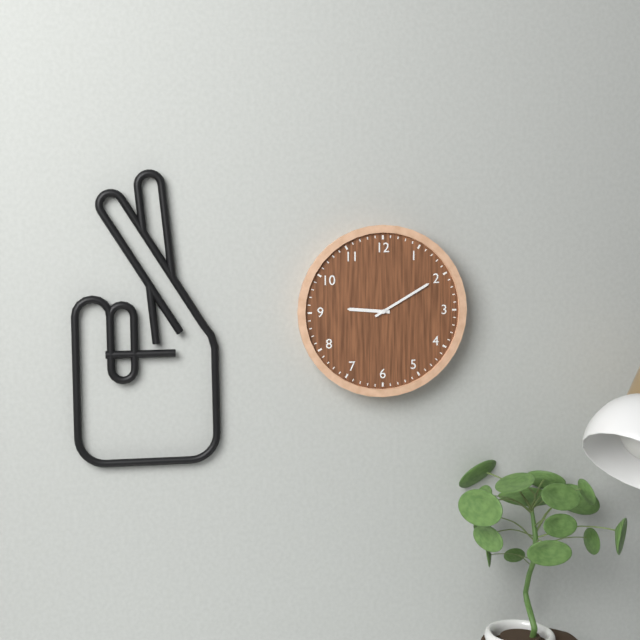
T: 9.10
